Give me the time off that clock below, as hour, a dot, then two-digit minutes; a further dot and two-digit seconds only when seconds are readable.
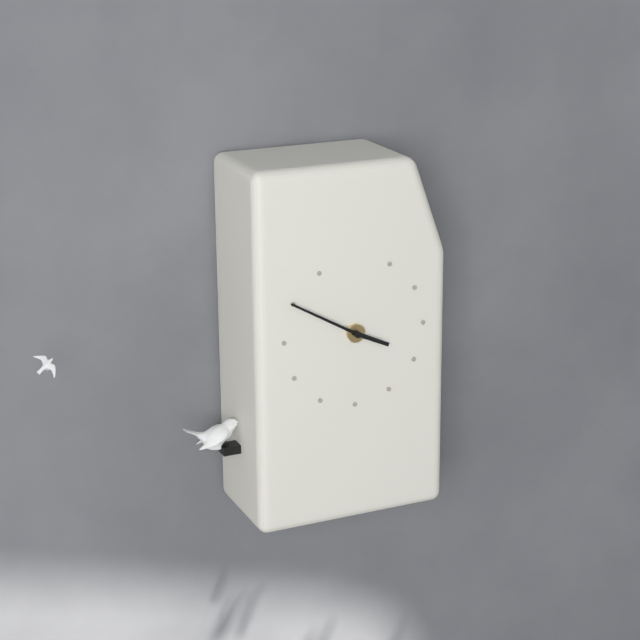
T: 3.50
